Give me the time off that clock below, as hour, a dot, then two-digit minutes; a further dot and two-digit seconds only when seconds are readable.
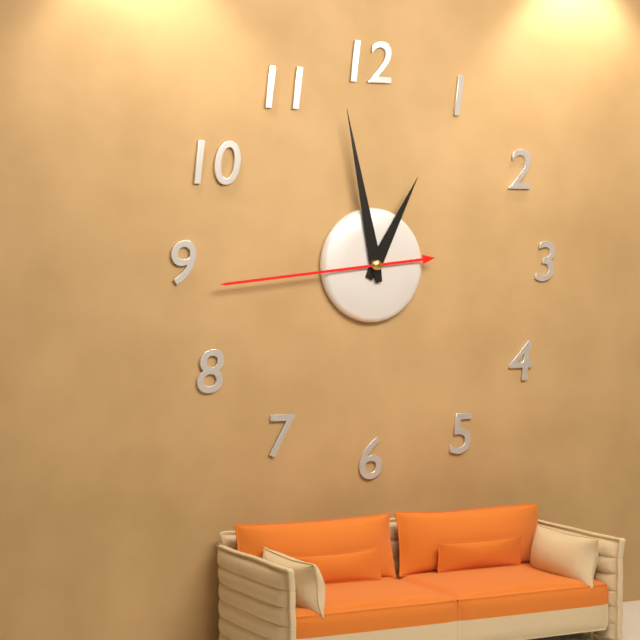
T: 12.58.44
